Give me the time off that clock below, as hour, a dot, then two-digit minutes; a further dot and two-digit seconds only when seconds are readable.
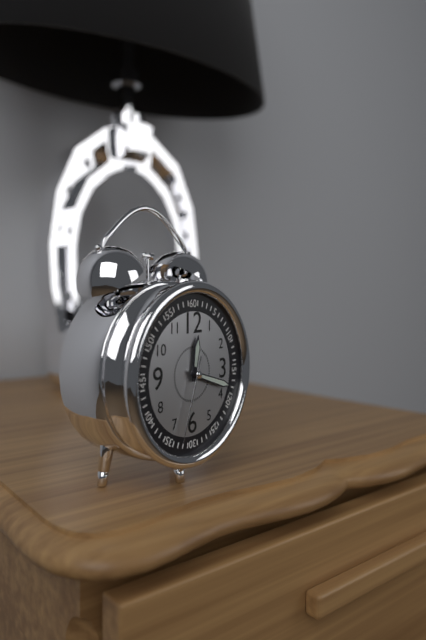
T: 12.18.33
